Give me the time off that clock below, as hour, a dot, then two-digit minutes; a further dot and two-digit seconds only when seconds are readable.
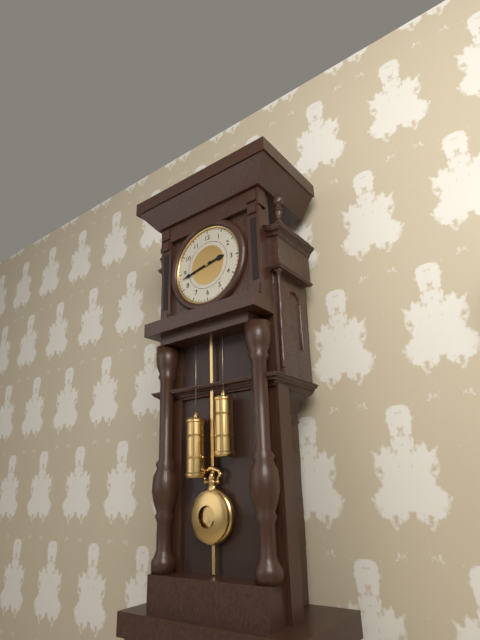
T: 2.43
